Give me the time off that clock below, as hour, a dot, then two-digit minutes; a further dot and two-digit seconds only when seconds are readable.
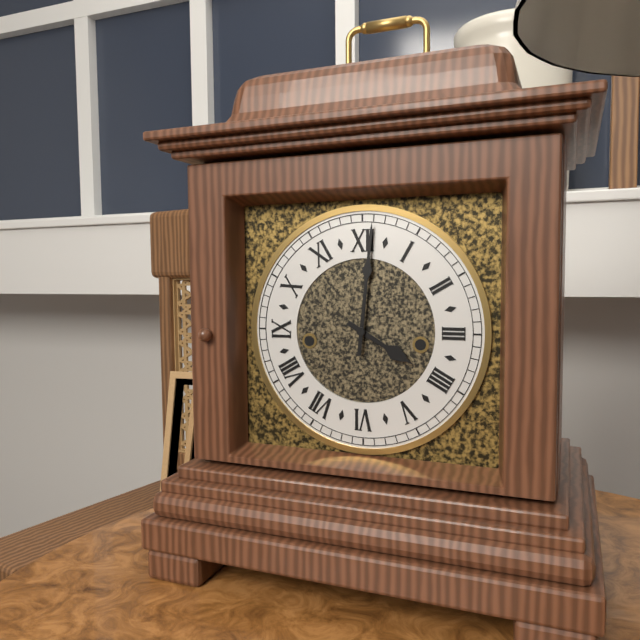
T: 4.01
